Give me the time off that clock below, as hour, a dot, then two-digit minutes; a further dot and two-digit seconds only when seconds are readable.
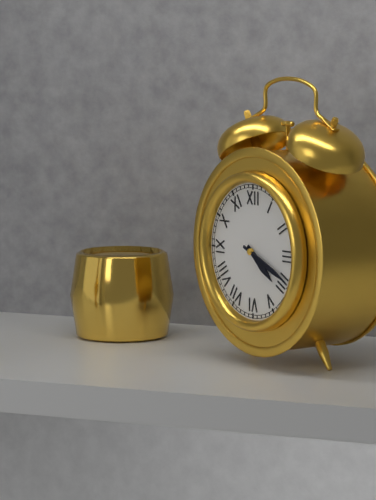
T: 4.19
